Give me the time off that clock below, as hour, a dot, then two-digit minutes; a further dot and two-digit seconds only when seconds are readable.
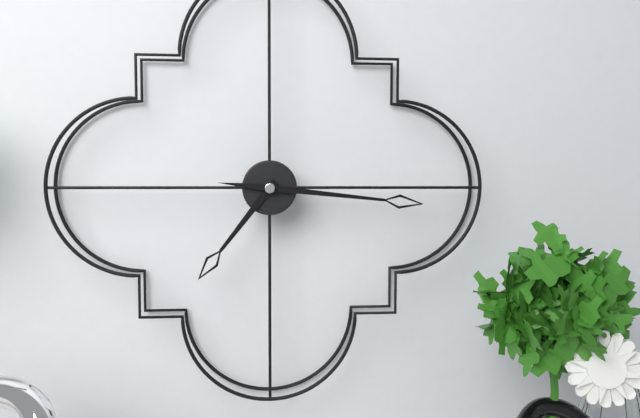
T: 7.16
